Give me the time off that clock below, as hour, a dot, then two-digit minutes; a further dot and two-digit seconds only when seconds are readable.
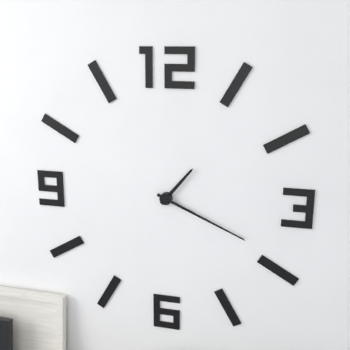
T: 1.19
